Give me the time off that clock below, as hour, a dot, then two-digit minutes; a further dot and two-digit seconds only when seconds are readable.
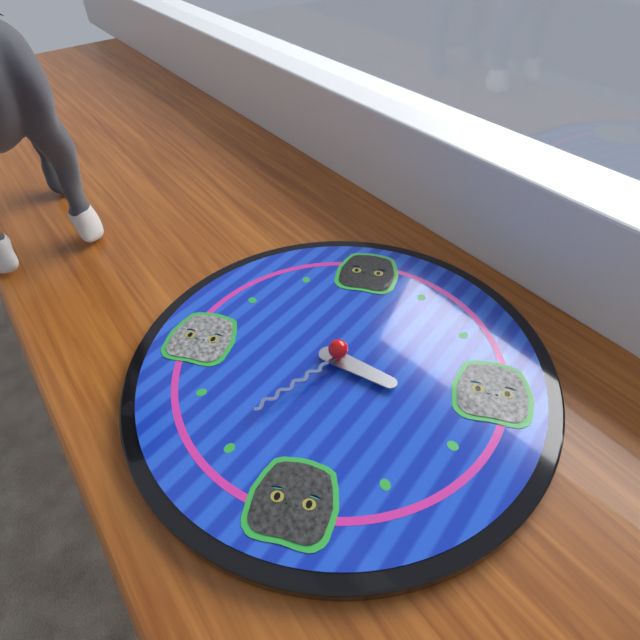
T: 3.36
